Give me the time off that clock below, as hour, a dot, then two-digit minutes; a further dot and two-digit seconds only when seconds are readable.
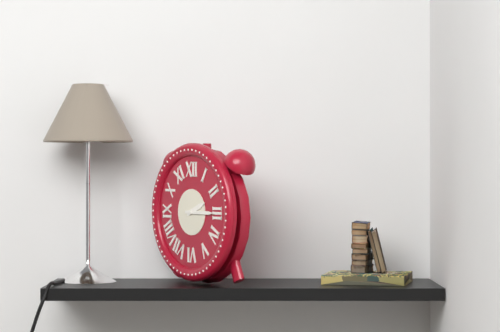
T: 2.15
